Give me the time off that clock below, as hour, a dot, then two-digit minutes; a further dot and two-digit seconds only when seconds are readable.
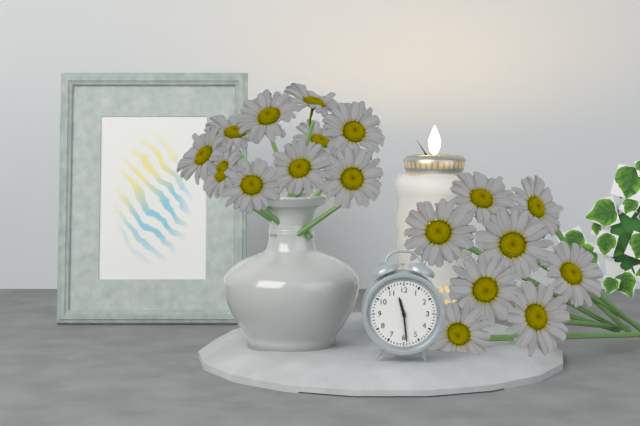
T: 11.29
